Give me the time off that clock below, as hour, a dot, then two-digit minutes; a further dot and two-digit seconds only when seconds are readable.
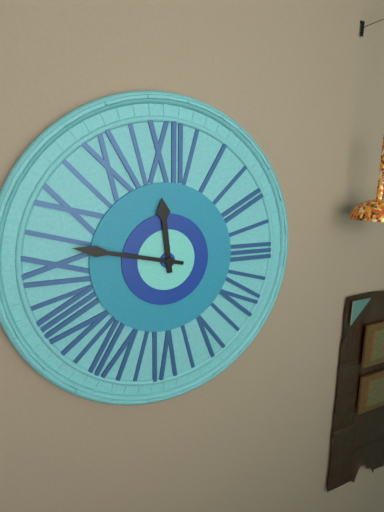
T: 11.47
